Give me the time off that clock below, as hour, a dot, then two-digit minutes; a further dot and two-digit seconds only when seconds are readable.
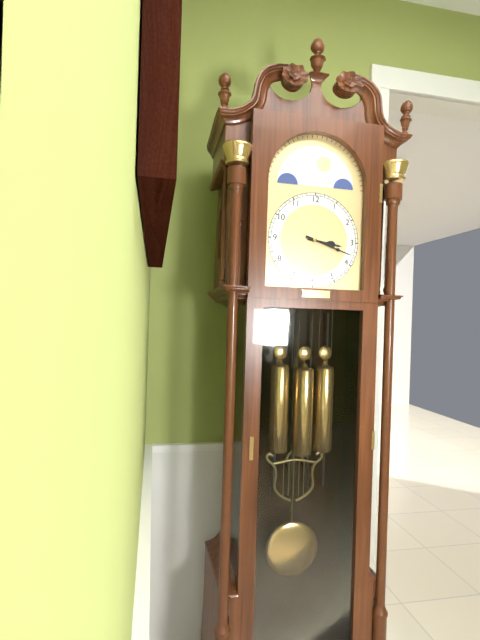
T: 3.18
